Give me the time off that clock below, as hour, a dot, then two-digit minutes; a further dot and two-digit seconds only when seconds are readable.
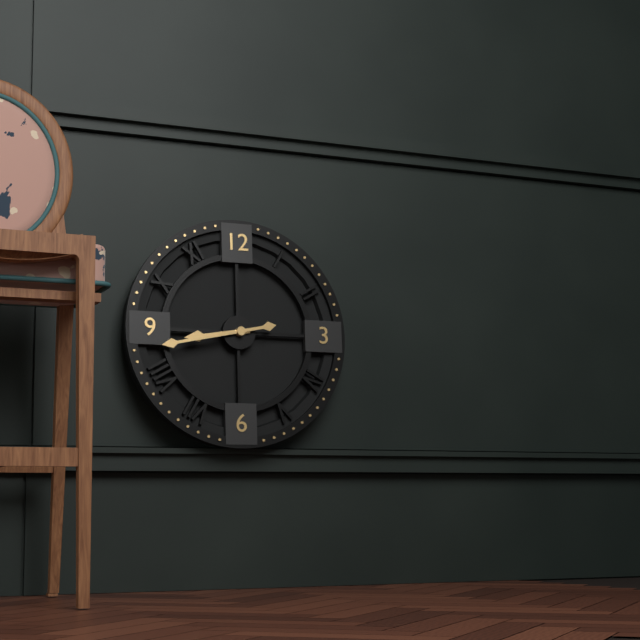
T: 8.43
